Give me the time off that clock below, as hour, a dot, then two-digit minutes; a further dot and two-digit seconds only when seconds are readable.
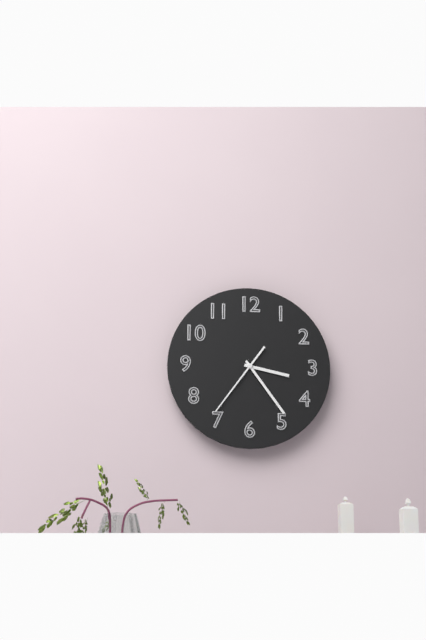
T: 3.24.36
